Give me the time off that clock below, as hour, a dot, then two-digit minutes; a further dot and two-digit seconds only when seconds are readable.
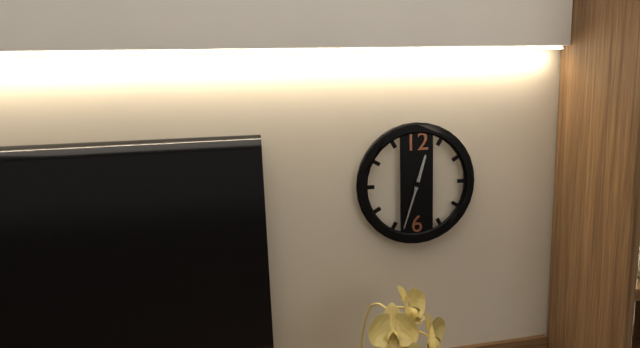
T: 12.33
